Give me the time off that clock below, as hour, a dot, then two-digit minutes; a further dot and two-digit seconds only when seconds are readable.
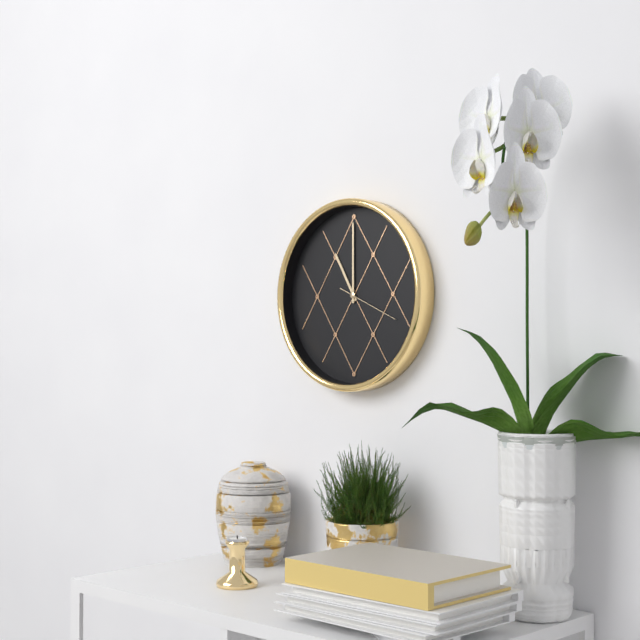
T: 11.00.19
